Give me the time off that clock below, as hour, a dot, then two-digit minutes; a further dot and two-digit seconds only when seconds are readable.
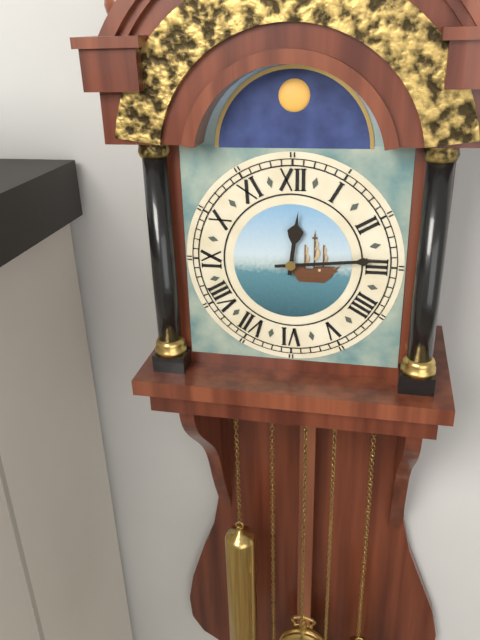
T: 12.14
